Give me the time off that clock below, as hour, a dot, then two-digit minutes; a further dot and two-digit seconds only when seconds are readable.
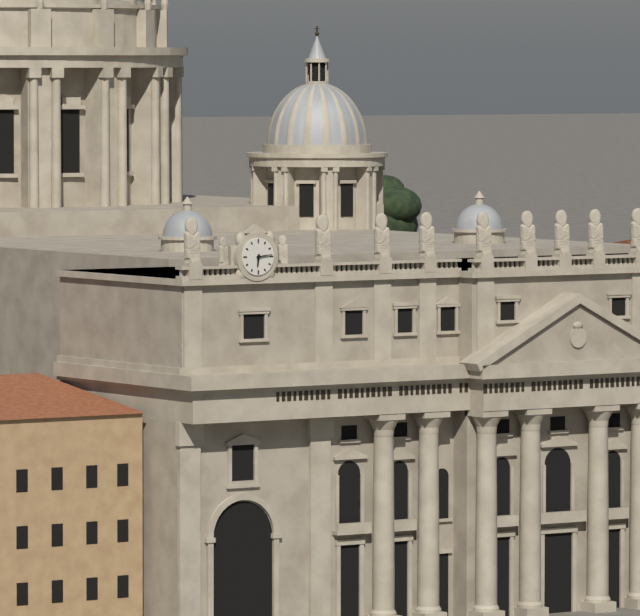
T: 6.14
